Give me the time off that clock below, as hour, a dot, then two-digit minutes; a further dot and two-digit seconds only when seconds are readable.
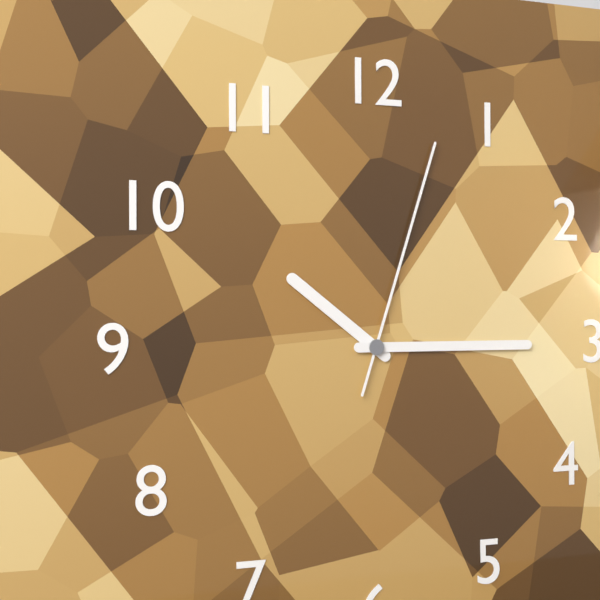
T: 10.15.03
